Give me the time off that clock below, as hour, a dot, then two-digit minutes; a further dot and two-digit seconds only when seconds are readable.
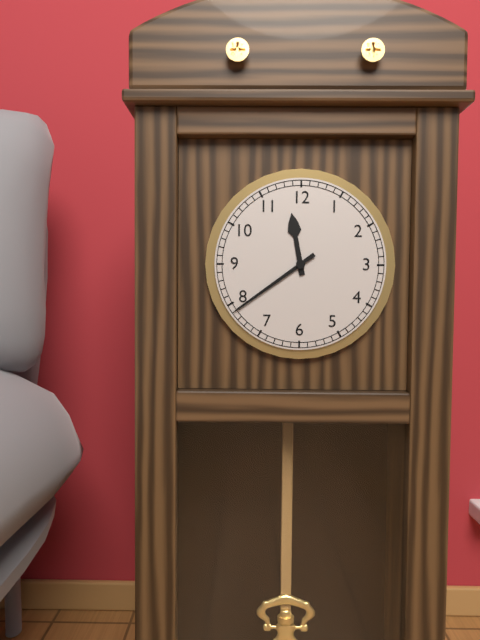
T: 11.39
